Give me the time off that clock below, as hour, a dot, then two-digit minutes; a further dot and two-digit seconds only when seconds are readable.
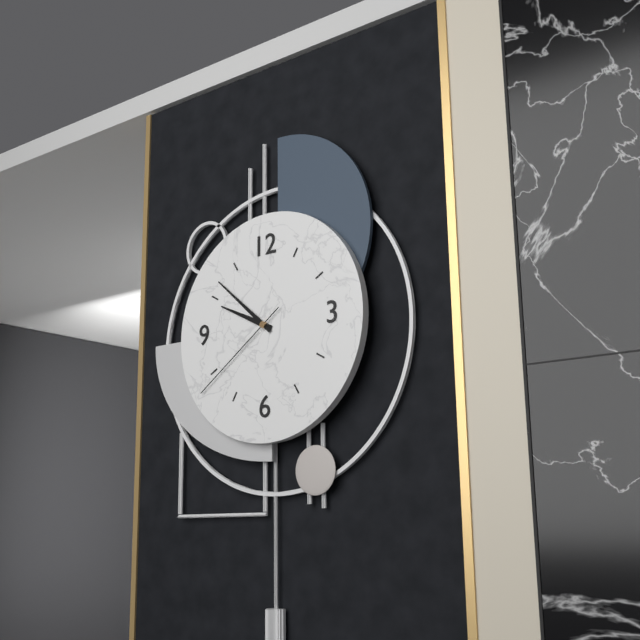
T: 9.52.39
